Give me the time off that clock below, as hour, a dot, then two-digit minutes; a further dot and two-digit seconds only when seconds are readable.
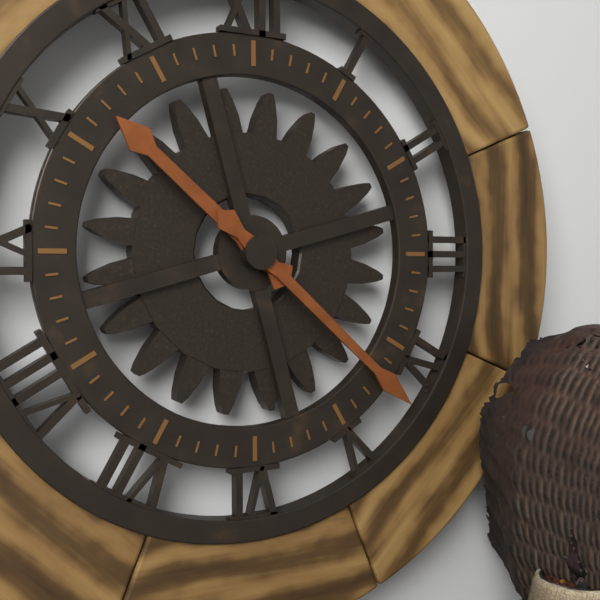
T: 10.22
